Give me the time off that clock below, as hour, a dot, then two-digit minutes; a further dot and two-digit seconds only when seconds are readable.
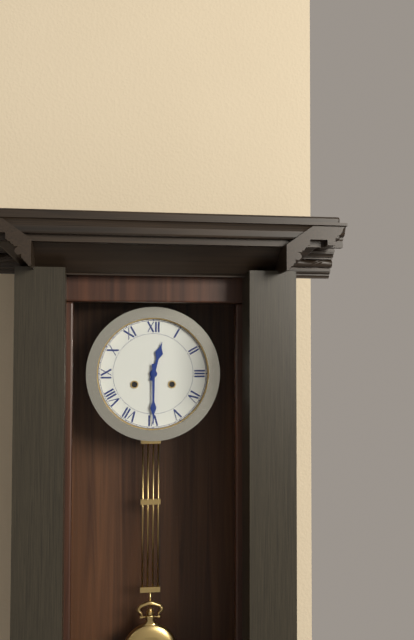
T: 12.30
